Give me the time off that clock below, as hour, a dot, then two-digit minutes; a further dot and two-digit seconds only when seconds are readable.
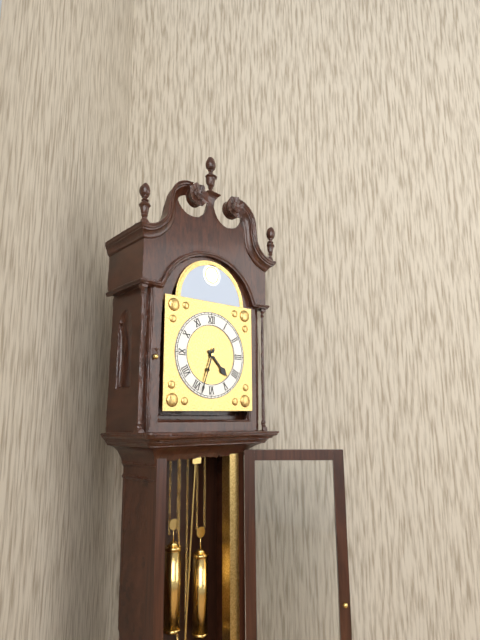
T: 4.33
